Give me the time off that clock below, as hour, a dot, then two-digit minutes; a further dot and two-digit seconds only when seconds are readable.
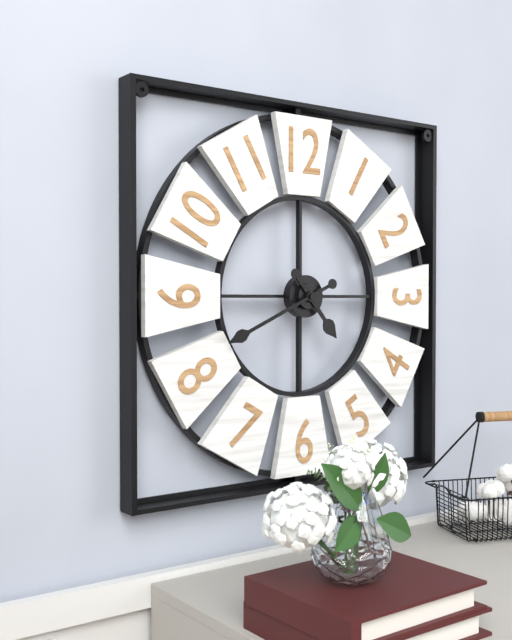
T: 4.41
